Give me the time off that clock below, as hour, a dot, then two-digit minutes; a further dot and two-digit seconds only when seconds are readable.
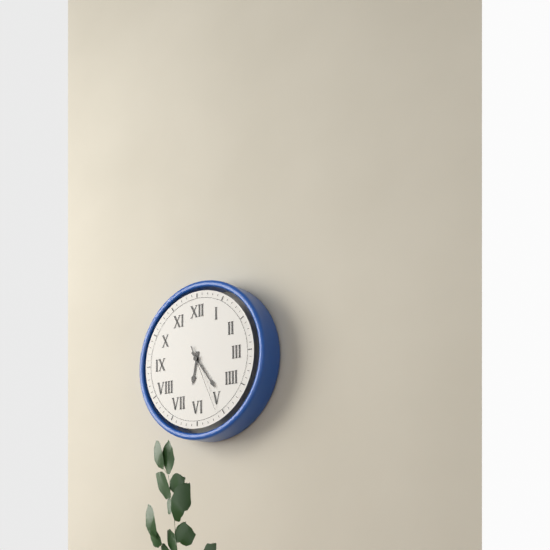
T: 6.24.26
